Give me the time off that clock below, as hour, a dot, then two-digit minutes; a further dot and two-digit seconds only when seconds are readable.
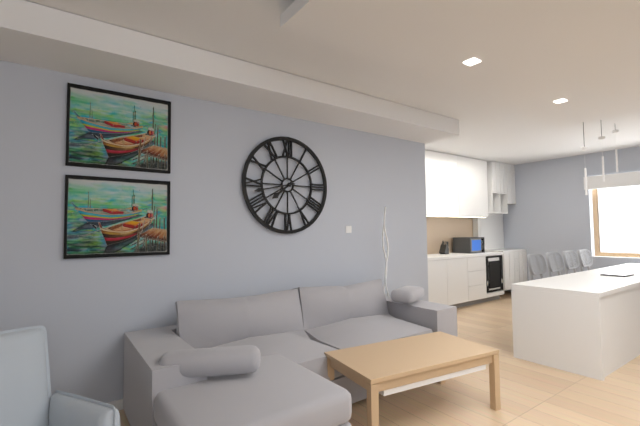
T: 7.43
